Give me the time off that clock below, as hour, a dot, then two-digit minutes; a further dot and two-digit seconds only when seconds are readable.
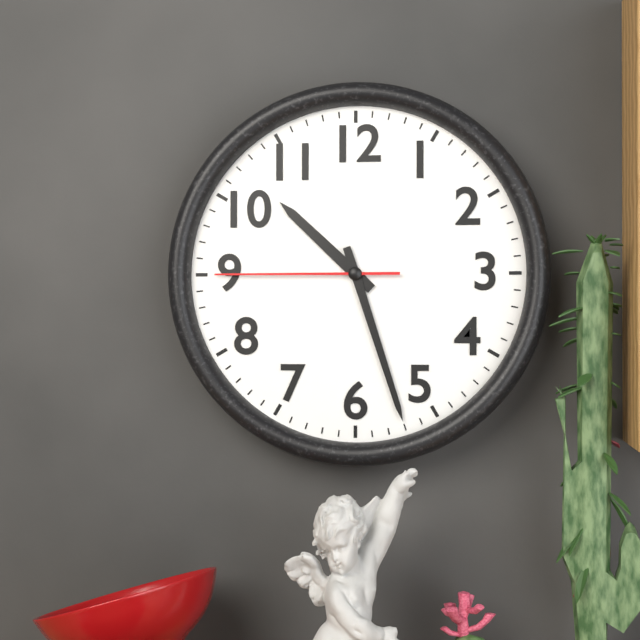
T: 10.27.45
